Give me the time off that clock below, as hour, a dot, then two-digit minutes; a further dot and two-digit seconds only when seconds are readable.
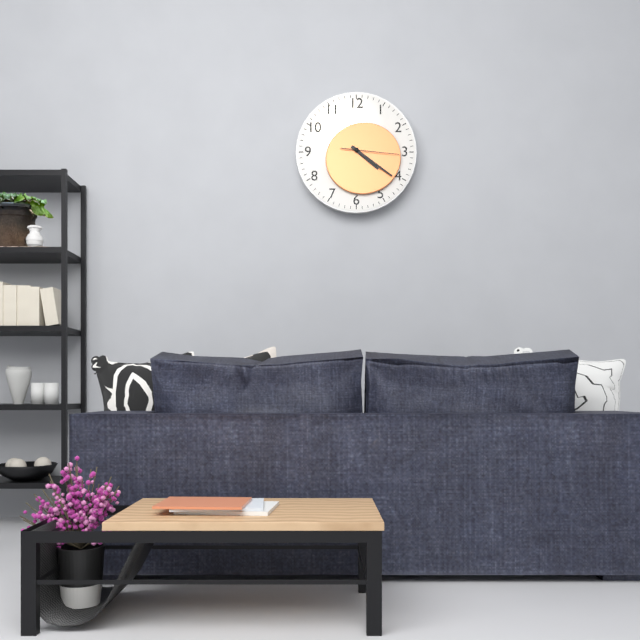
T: 4.21.16
